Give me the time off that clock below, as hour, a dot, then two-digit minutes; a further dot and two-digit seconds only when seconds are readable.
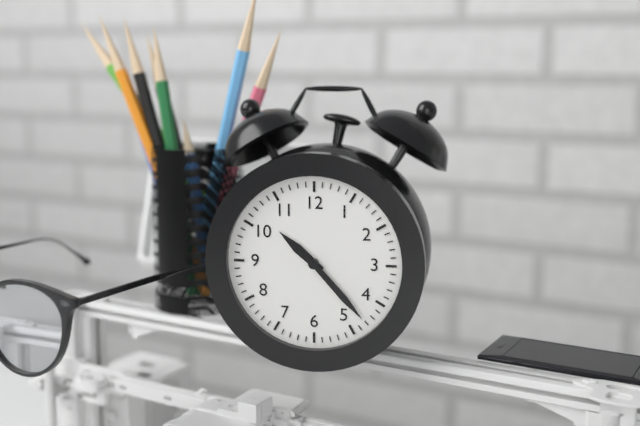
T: 10.23
